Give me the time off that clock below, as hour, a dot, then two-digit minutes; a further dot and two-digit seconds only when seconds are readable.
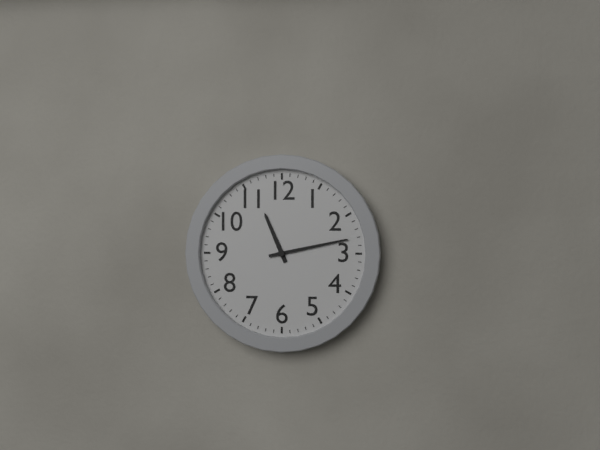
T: 11.13
